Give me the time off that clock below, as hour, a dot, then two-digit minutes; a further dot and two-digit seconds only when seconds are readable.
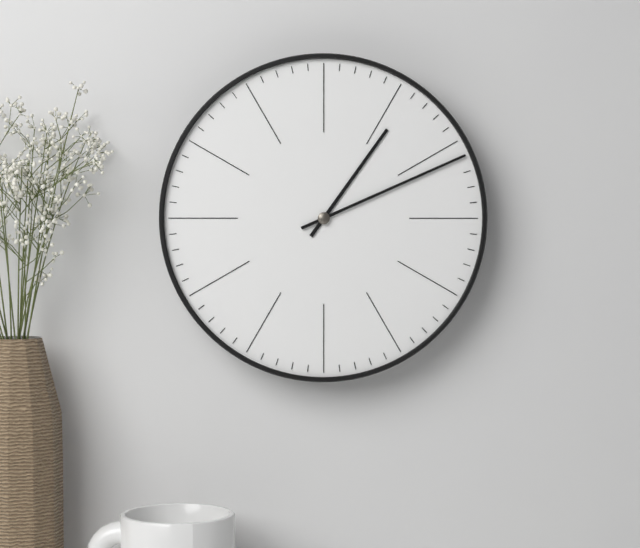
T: 1.11
